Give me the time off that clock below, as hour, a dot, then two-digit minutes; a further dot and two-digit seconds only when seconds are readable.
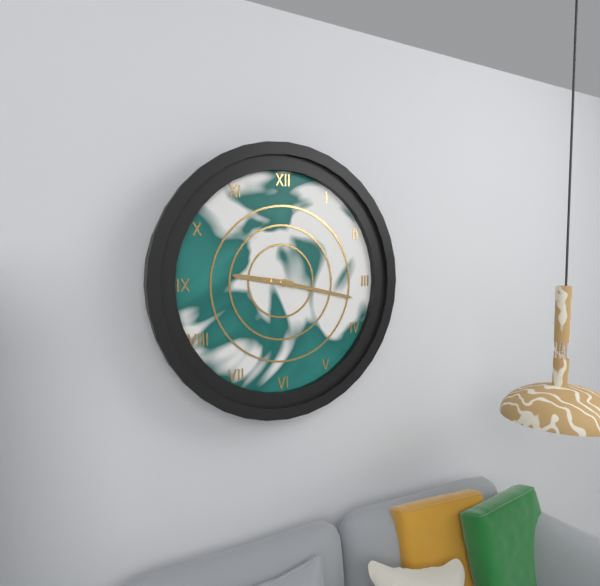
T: 9.17
